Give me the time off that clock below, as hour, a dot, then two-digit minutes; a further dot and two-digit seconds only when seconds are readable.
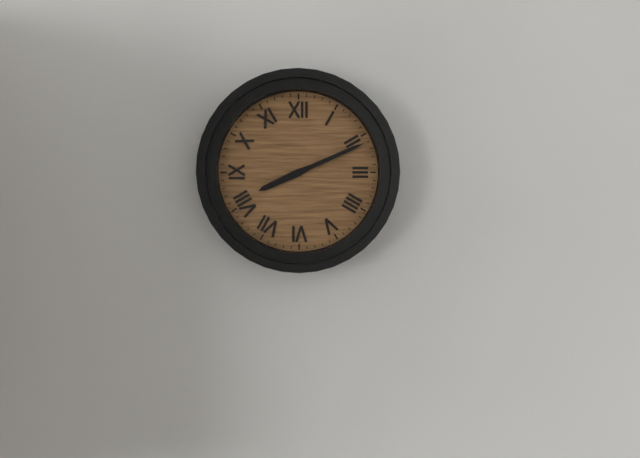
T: 8.11
